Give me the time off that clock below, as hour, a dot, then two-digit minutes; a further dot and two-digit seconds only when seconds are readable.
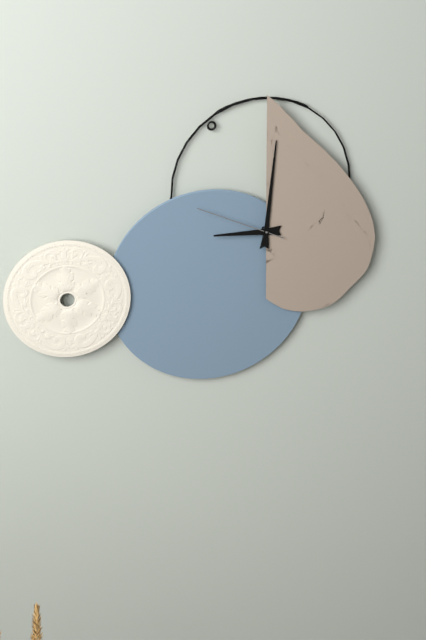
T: 9.01.49
